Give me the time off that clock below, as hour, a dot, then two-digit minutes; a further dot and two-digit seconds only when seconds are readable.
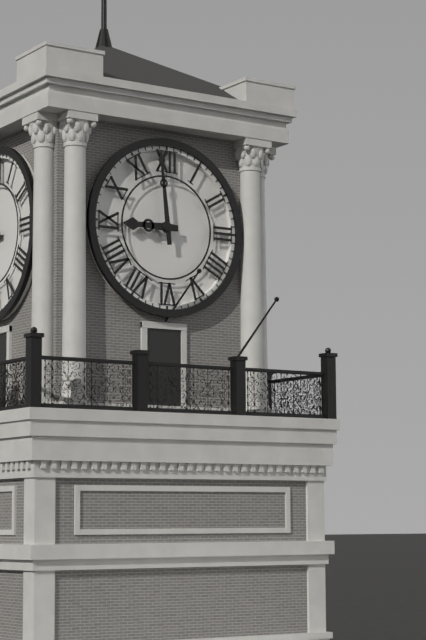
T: 8.59
